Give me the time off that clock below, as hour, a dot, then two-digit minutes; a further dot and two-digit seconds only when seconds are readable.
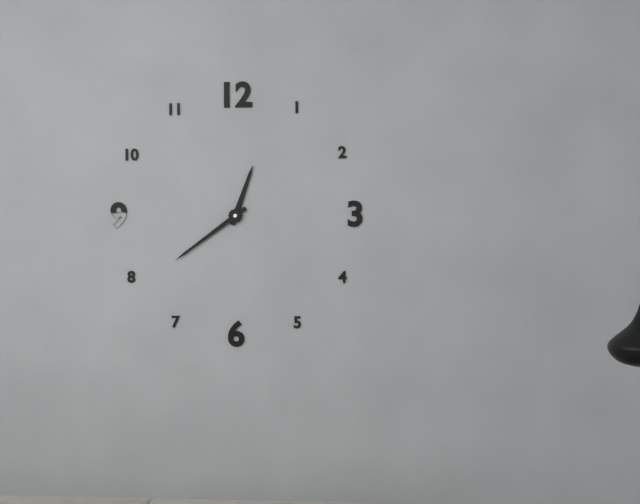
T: 12.39
